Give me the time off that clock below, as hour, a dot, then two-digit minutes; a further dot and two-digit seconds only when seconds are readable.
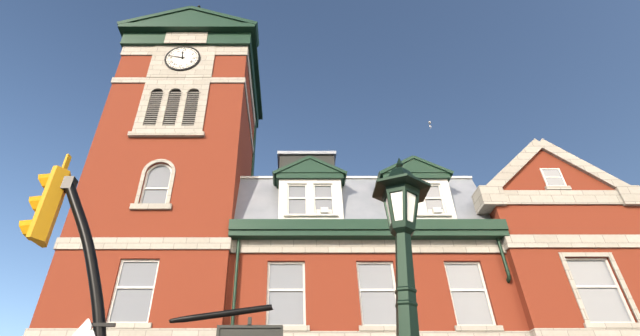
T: 11.47
